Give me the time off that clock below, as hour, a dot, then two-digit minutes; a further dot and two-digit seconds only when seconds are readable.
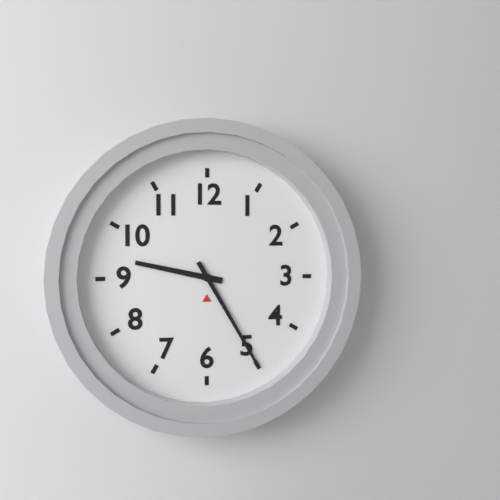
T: 9.25
